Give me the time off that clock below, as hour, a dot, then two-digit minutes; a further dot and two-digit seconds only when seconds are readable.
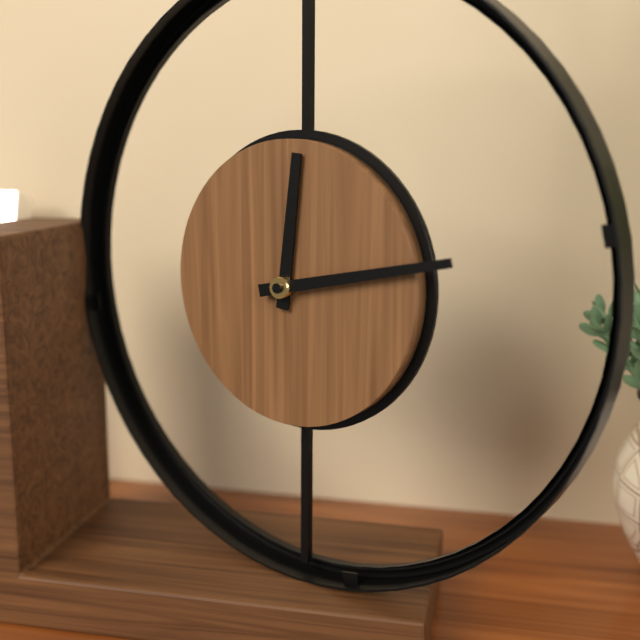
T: 12.13
